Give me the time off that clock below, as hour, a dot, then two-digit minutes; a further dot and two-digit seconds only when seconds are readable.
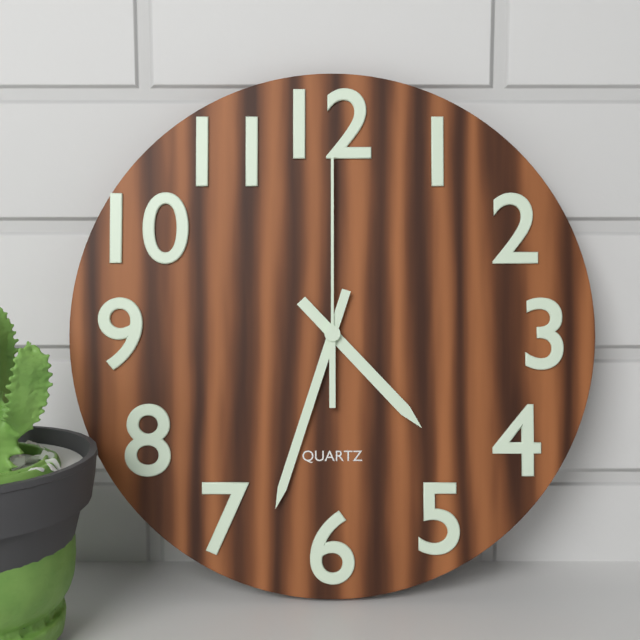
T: 4.33.00
